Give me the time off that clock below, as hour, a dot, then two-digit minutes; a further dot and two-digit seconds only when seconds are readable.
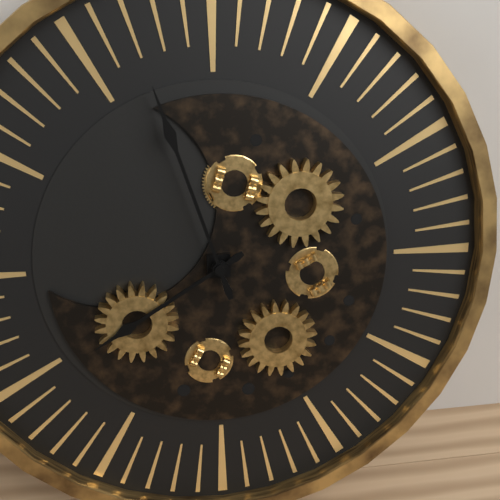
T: 7.57
